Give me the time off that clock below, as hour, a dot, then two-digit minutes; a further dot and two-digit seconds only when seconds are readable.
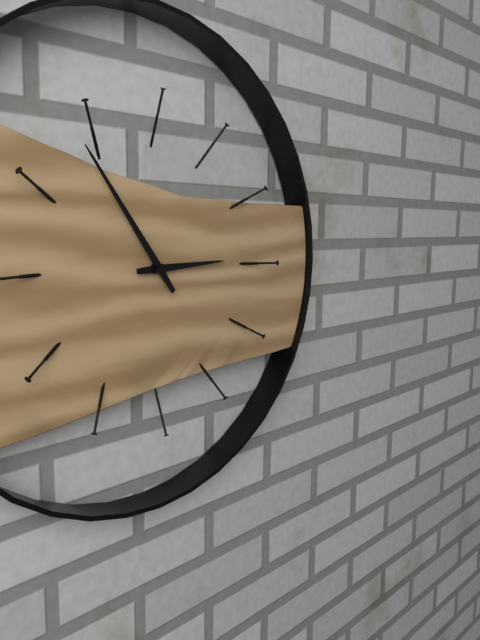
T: 2.54
